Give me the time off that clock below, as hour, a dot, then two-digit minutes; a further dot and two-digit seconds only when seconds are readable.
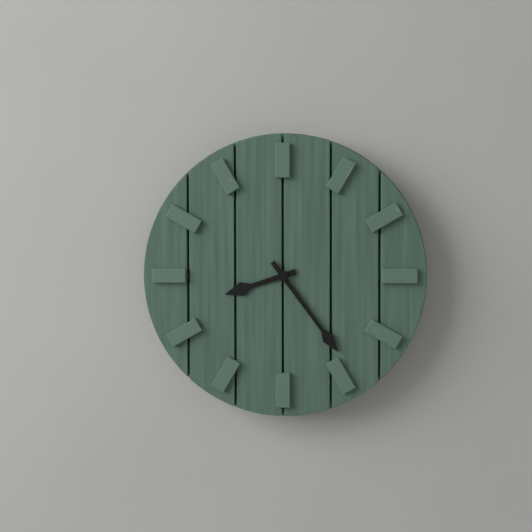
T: 8.24
